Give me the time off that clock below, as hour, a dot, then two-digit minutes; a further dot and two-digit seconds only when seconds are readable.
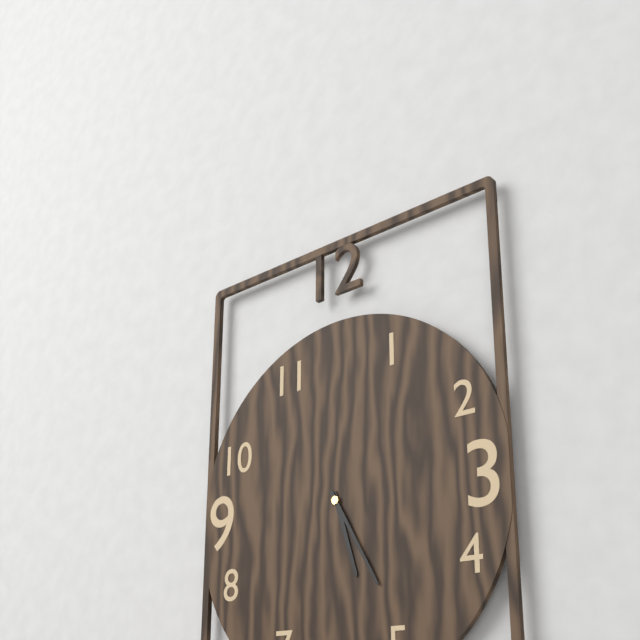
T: 5.25
